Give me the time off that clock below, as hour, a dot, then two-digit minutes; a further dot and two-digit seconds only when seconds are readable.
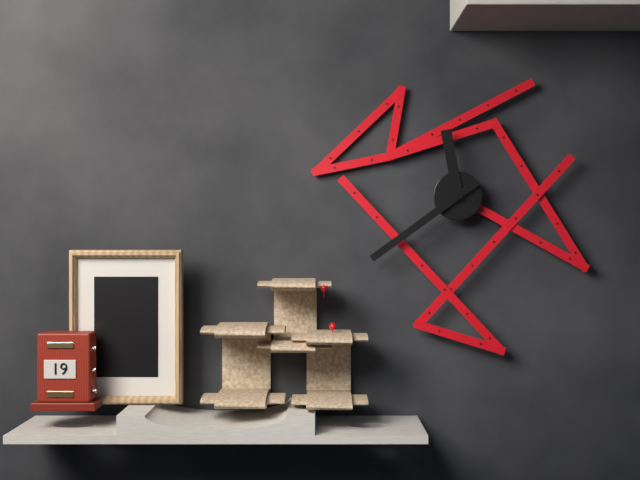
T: 11.39
